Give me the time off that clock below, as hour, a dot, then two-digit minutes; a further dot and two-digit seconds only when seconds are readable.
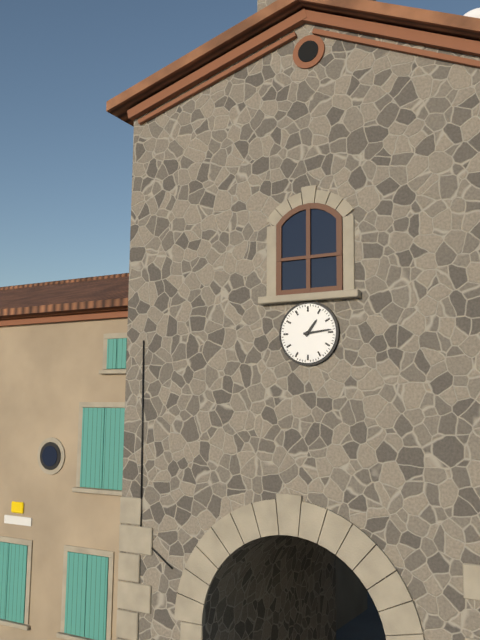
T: 1.14
